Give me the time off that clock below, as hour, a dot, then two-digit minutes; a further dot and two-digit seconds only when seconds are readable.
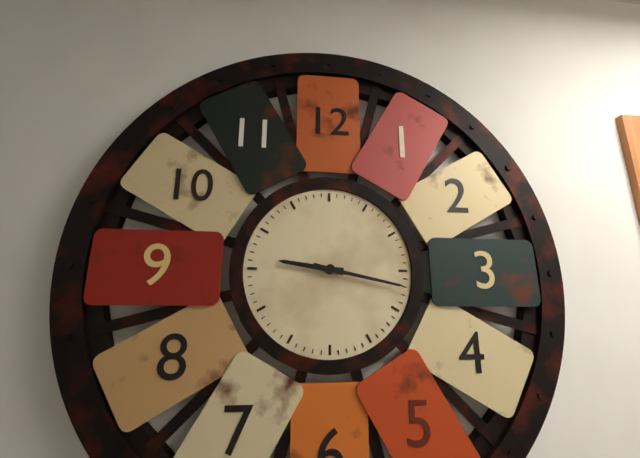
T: 9.17
